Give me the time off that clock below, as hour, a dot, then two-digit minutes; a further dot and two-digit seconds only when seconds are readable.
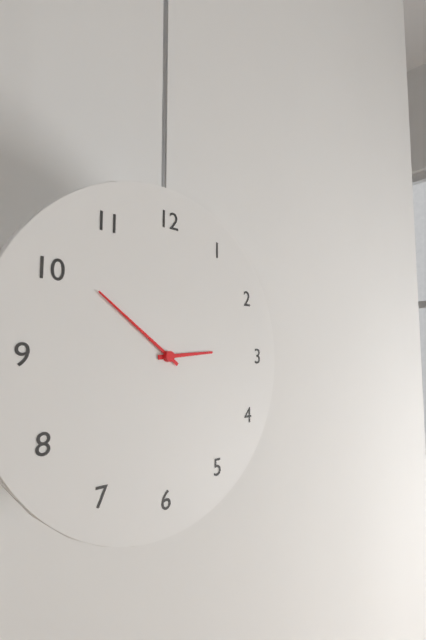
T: 2.51
